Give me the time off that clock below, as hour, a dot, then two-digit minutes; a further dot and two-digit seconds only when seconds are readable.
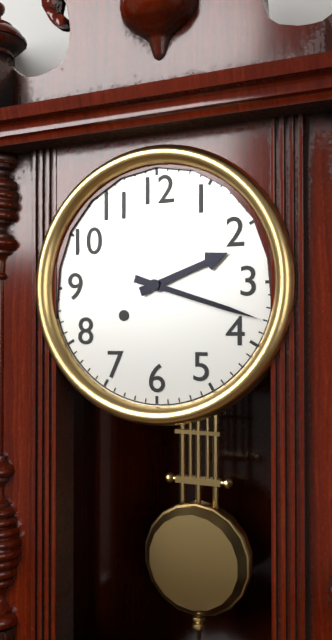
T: 2.18
